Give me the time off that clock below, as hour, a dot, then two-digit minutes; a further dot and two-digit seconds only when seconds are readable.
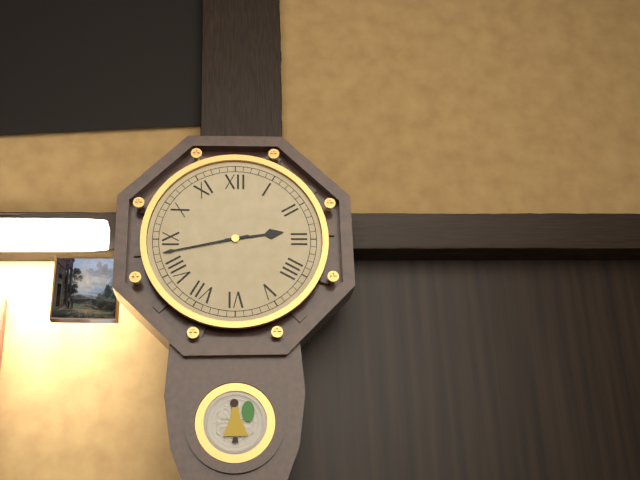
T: 2.43
